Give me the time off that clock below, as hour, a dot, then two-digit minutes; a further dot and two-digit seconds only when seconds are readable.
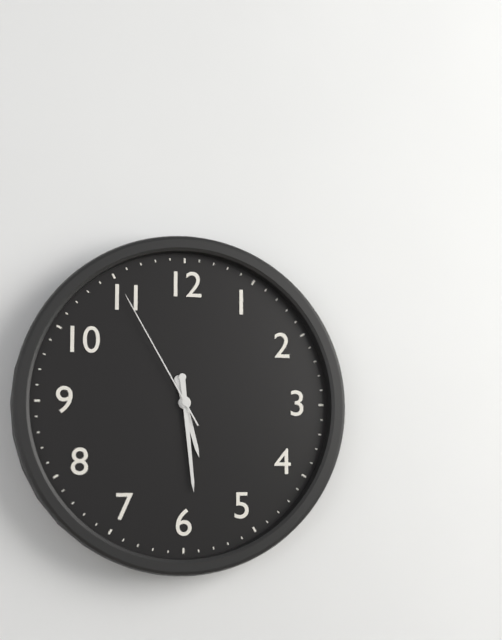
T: 5.29.55
